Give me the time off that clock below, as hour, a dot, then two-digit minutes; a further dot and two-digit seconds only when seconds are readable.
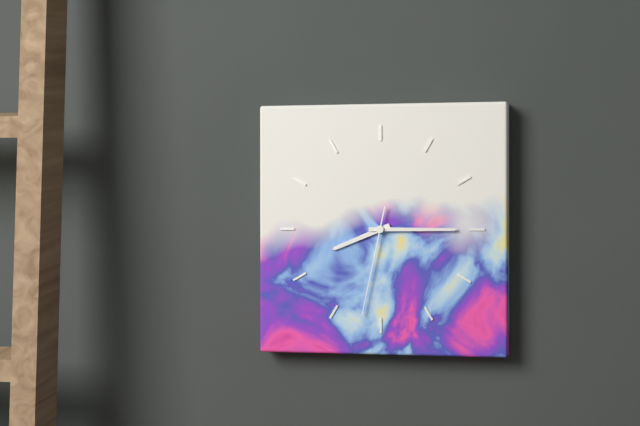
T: 8.15.32
